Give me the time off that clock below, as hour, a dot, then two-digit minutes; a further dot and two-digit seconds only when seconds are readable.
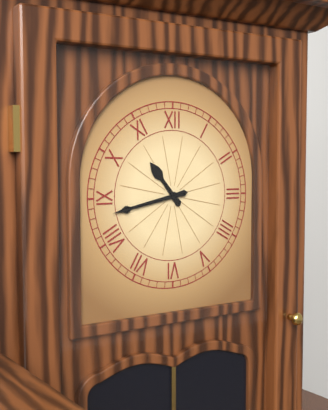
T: 10.43
